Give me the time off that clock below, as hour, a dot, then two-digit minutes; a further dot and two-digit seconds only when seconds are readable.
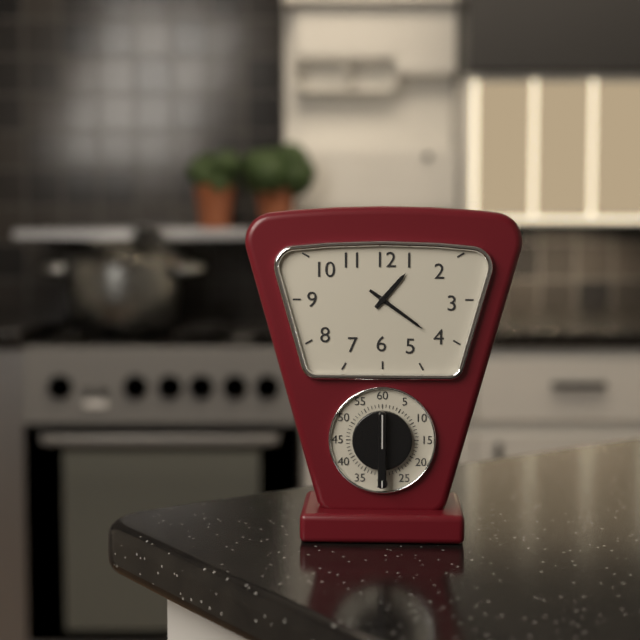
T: 1.21
